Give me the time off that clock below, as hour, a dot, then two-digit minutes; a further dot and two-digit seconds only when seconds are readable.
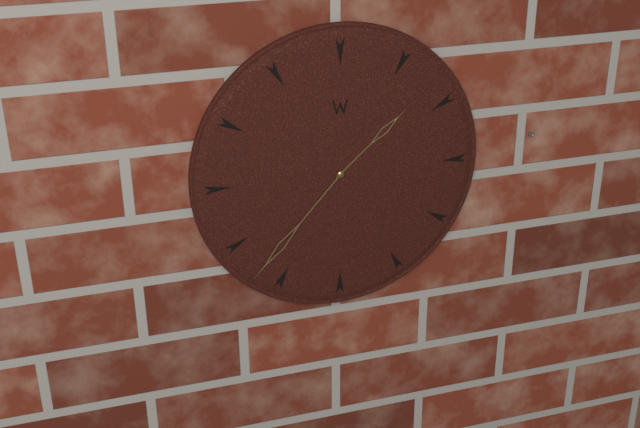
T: 1.37
